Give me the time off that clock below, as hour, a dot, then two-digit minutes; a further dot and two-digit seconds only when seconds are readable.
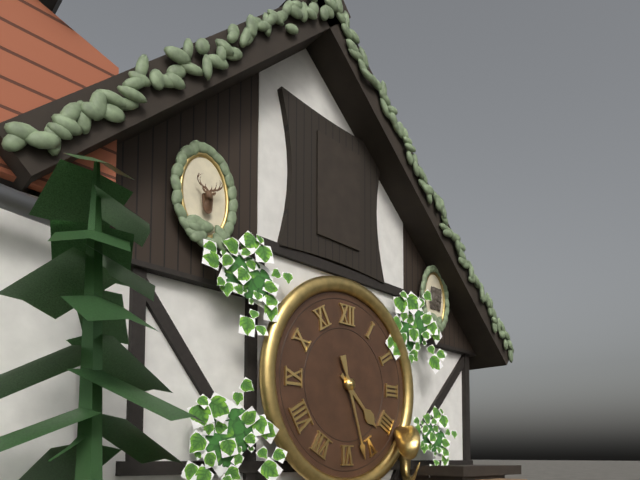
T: 4.27
